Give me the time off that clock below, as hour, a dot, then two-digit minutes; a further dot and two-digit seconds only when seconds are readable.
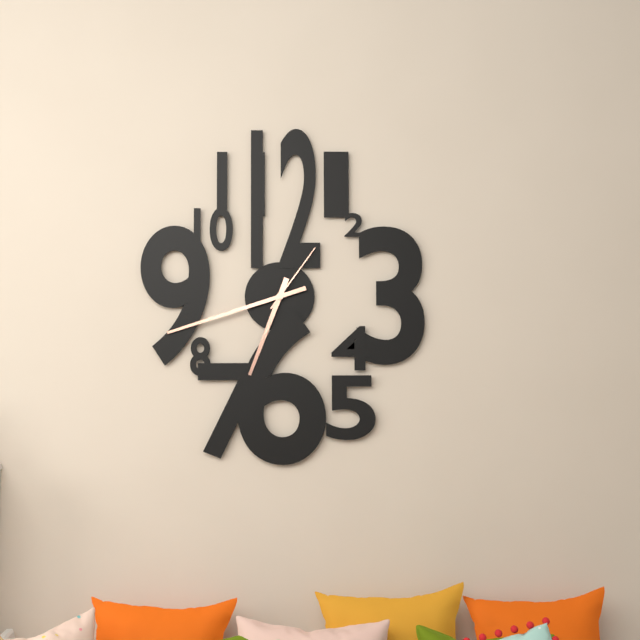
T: 6.42.06
